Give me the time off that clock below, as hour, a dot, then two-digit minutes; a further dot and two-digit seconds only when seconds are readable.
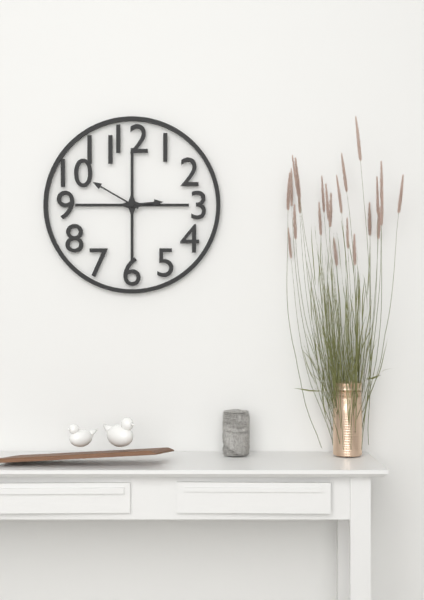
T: 2.50
